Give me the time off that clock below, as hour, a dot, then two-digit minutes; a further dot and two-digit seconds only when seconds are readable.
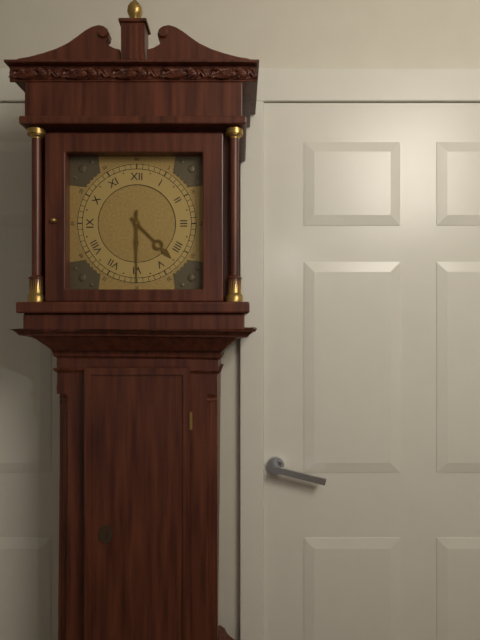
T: 4.30
